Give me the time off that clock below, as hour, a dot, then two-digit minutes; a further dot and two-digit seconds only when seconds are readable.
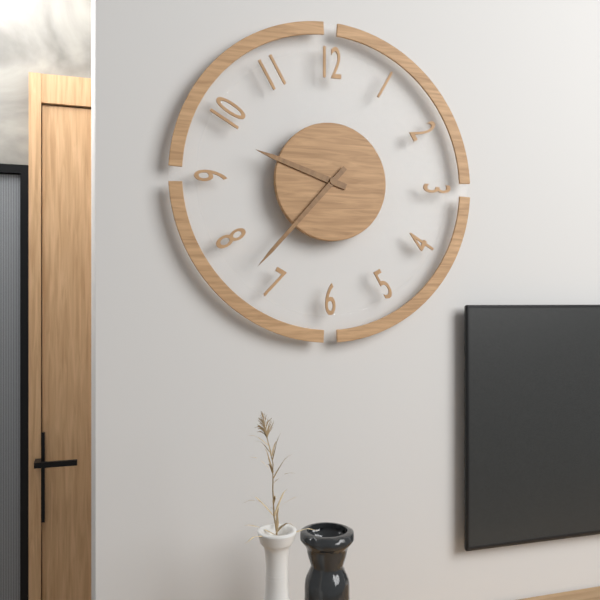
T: 9.37
